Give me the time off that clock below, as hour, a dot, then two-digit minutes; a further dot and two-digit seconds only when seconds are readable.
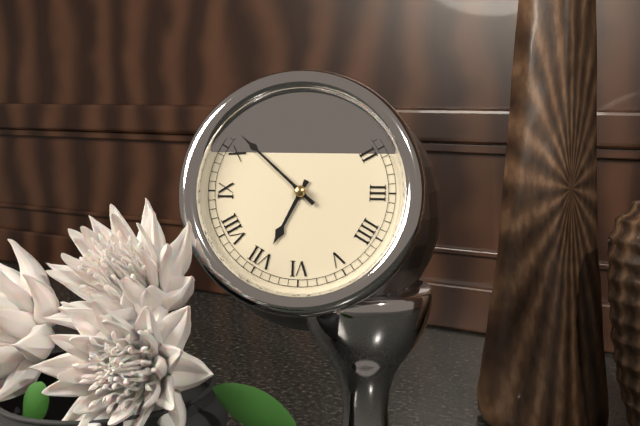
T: 6.52
